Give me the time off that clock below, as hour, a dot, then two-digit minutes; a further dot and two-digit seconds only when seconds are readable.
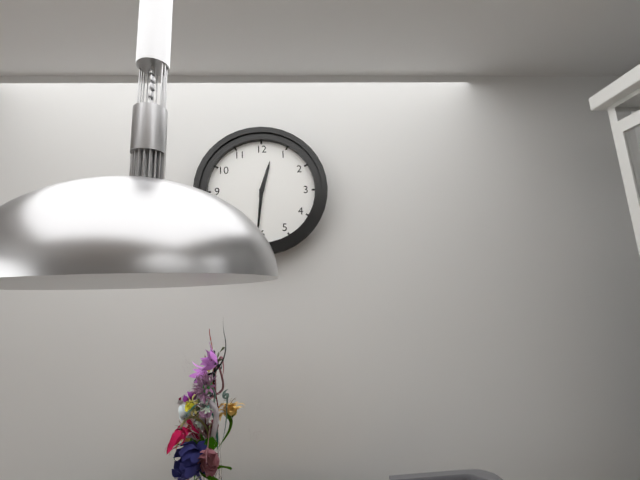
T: 12.31
